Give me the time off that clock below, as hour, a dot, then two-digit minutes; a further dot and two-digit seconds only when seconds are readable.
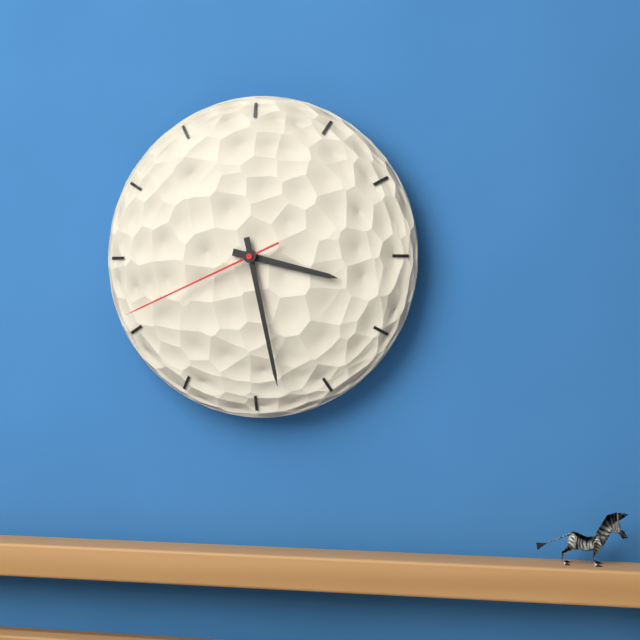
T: 3.28.41
